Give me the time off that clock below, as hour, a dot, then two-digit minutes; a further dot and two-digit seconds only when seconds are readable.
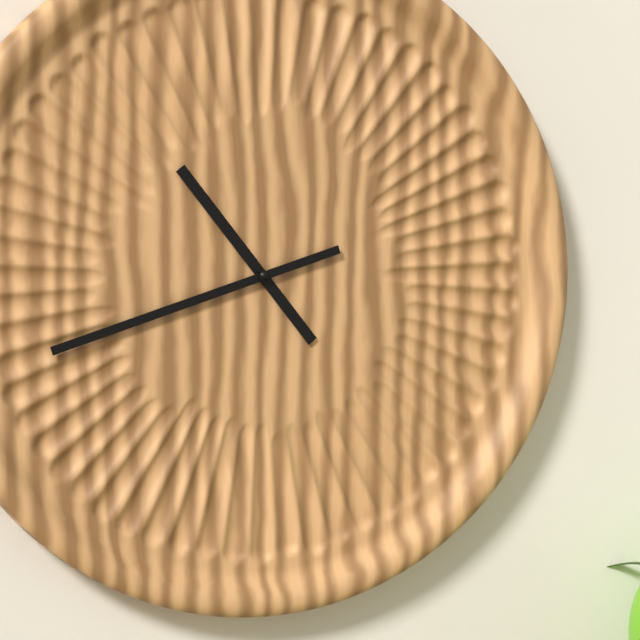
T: 10.42
